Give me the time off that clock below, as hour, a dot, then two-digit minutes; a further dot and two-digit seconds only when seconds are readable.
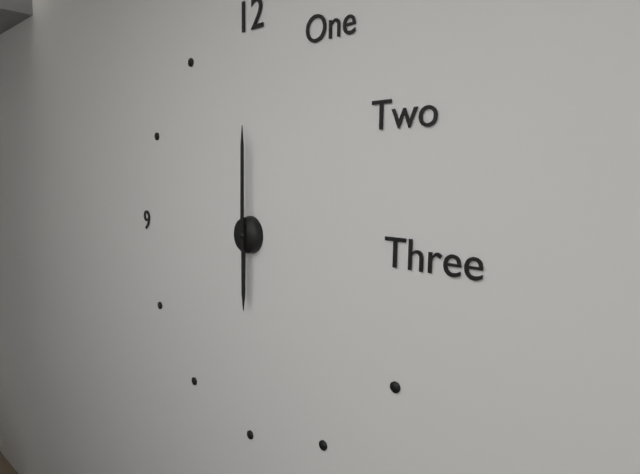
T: 6.00
